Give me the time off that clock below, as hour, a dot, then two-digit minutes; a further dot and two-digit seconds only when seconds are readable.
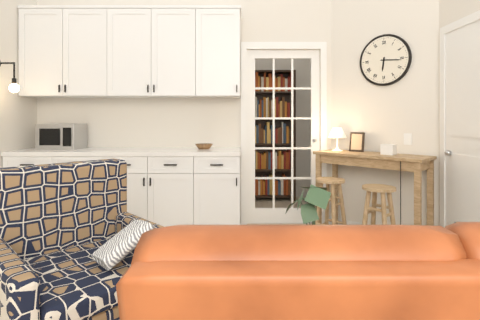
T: 6.16
